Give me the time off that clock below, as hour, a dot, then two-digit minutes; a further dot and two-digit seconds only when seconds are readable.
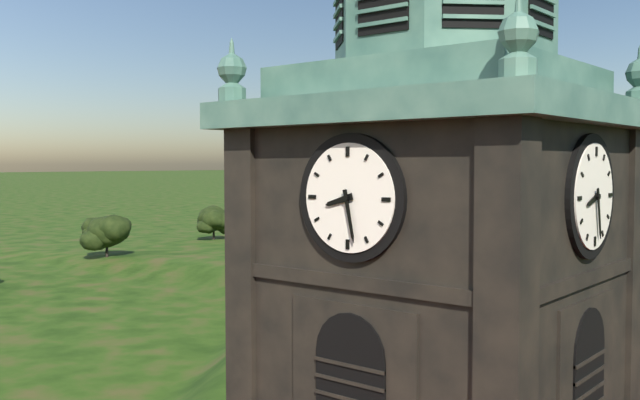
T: 8.28
